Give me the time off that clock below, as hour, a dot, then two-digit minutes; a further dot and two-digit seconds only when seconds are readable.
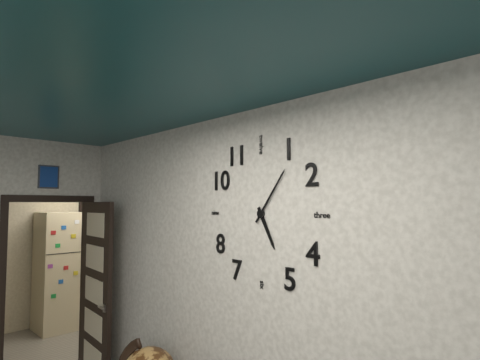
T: 5.06
